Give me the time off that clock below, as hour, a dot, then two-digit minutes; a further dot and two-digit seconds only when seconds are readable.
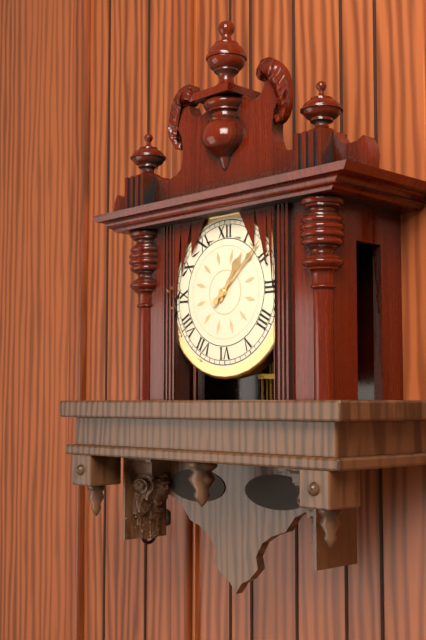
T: 1.08
